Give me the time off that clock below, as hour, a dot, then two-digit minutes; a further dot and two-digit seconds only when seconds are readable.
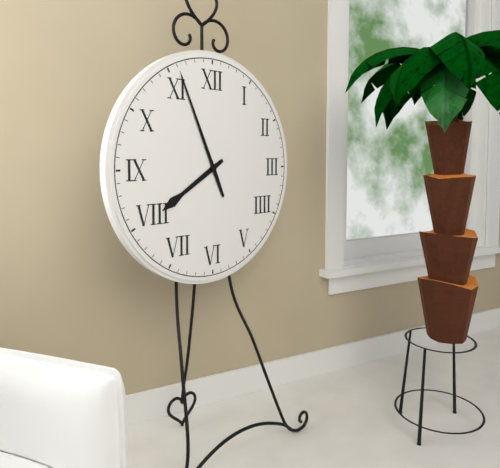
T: 7.56
